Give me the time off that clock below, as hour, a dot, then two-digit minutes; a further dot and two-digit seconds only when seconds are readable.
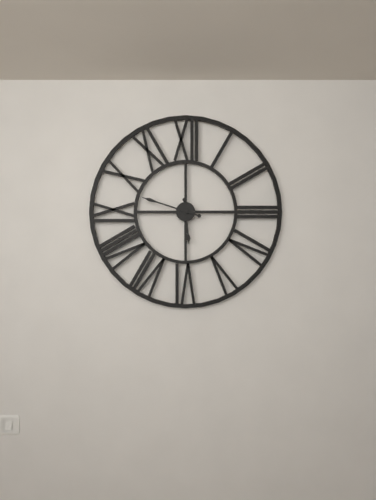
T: 5.48
